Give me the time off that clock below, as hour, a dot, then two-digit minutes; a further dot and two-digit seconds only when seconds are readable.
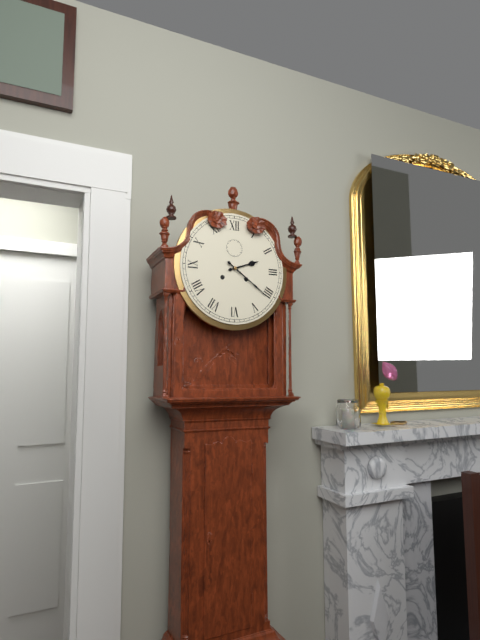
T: 2.21
